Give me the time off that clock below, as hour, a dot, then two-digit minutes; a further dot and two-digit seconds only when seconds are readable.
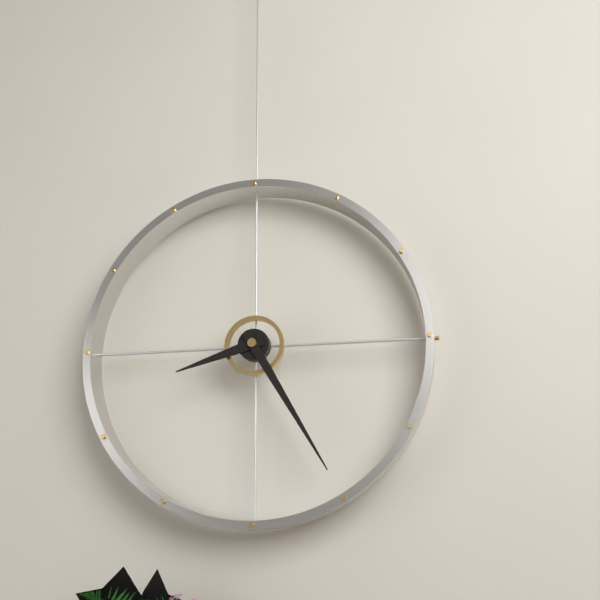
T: 8.25
